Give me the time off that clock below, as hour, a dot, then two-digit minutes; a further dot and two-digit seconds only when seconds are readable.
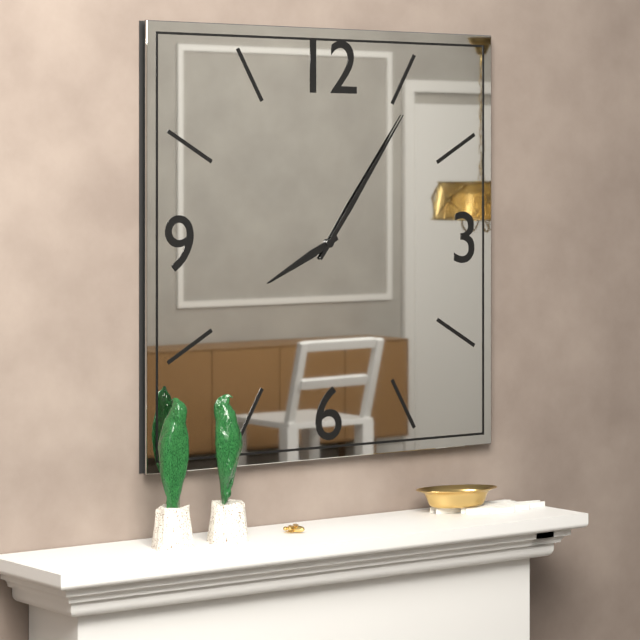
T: 8.06
